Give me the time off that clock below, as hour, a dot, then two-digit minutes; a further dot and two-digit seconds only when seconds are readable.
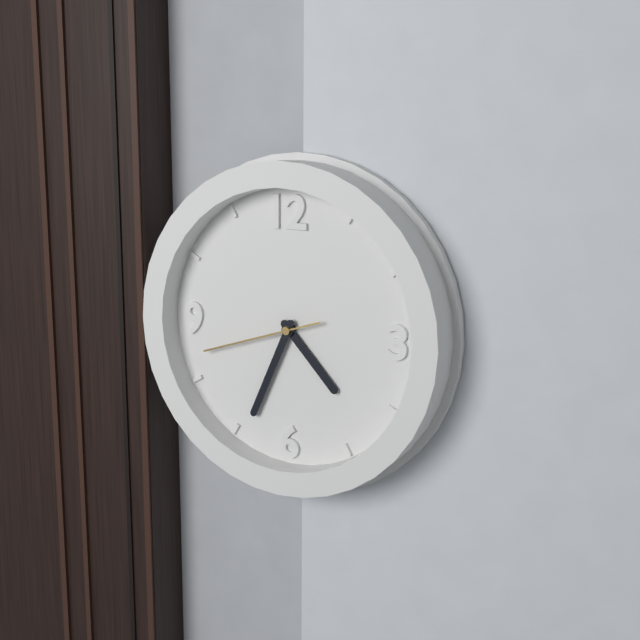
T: 4.34.42
